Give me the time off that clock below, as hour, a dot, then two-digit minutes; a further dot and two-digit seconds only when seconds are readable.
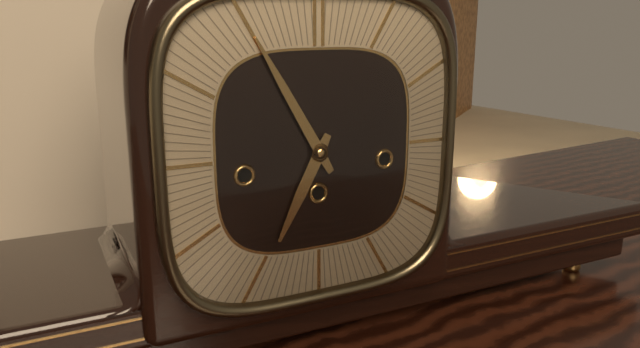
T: 6.55
